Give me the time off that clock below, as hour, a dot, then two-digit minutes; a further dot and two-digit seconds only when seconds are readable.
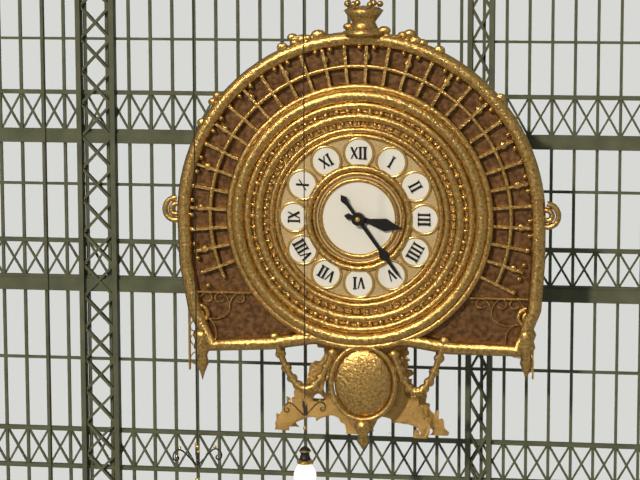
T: 3.24
